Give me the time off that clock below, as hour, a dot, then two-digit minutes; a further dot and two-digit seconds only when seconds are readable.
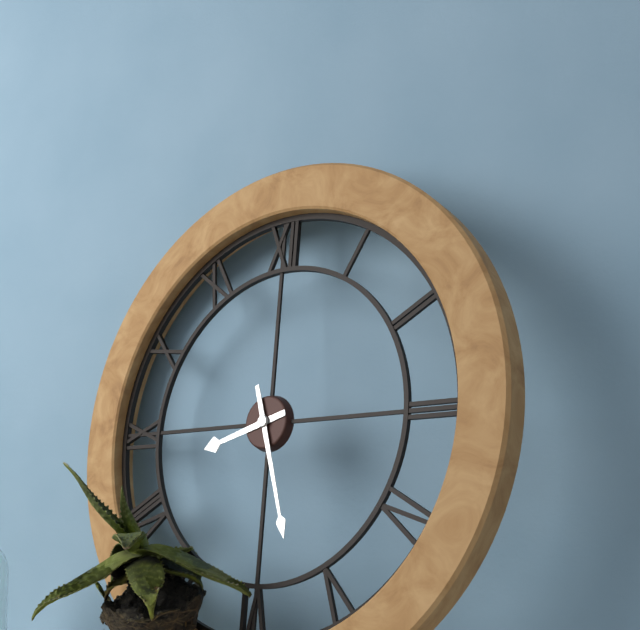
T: 8.27
